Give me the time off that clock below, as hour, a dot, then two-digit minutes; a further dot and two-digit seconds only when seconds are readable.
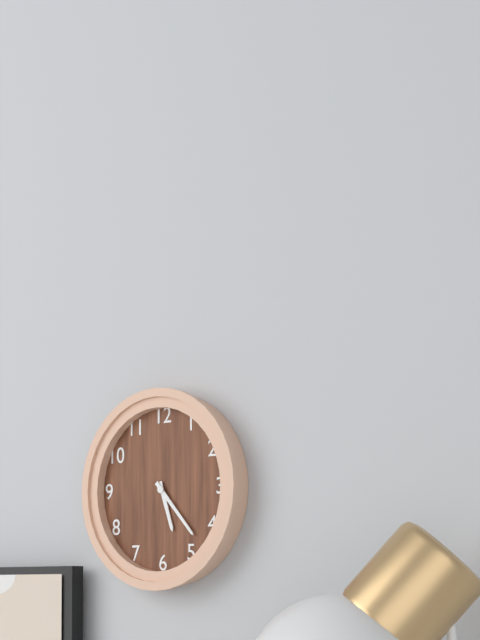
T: 5.23
